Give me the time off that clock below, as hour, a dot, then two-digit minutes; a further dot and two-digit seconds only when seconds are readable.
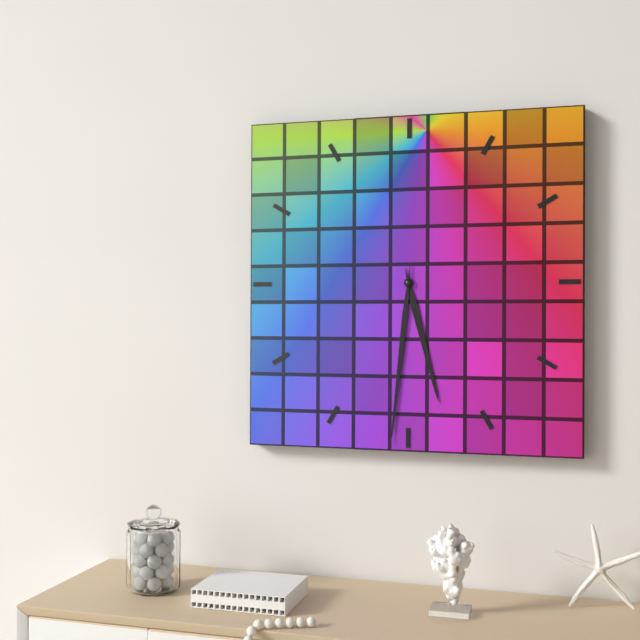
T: 5.31
